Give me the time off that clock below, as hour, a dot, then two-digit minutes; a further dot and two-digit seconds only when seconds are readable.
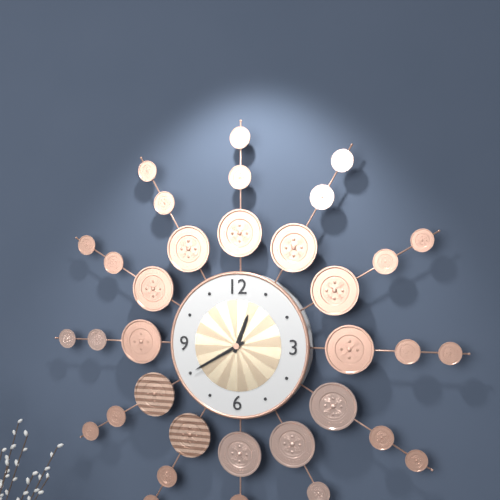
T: 12.40
